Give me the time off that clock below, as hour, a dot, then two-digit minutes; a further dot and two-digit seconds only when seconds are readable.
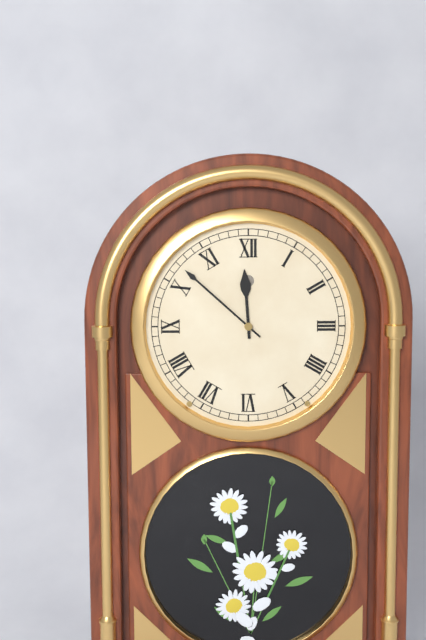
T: 11.52
